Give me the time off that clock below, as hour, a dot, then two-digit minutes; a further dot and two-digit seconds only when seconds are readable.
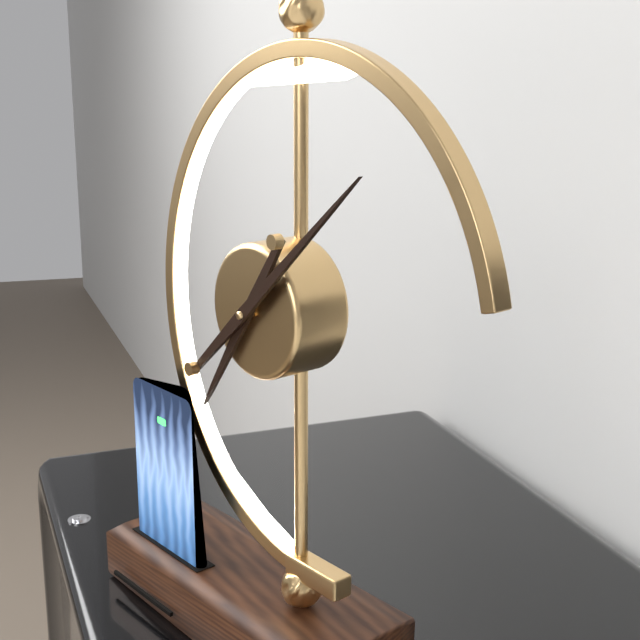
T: 7.08
